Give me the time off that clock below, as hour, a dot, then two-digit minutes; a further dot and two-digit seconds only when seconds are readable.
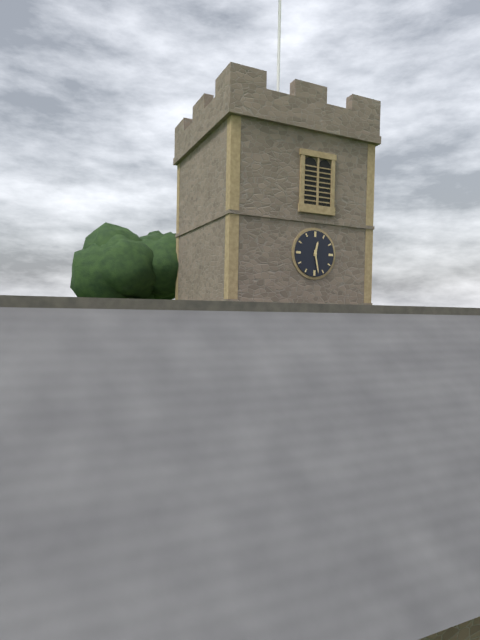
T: 12.28
